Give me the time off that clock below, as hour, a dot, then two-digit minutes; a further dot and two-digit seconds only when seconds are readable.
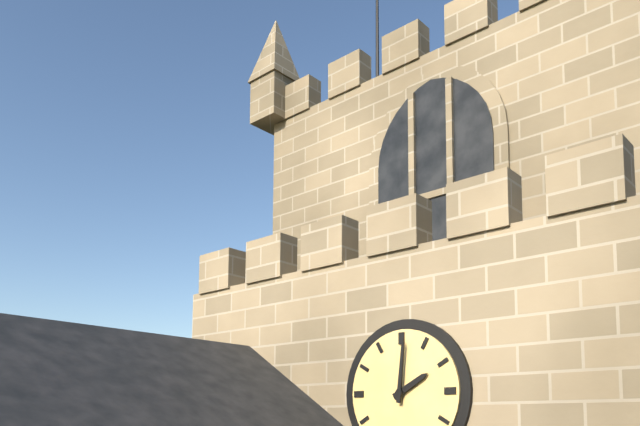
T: 2.01
